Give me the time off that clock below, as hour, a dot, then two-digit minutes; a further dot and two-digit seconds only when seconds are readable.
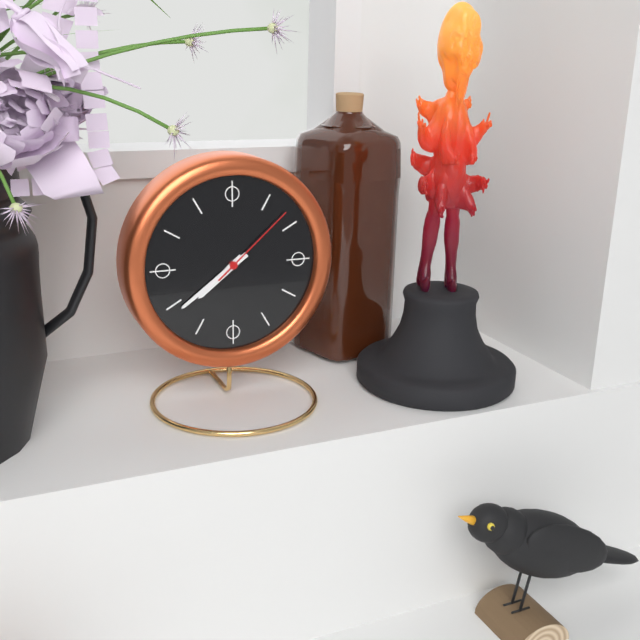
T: 7.39.08
